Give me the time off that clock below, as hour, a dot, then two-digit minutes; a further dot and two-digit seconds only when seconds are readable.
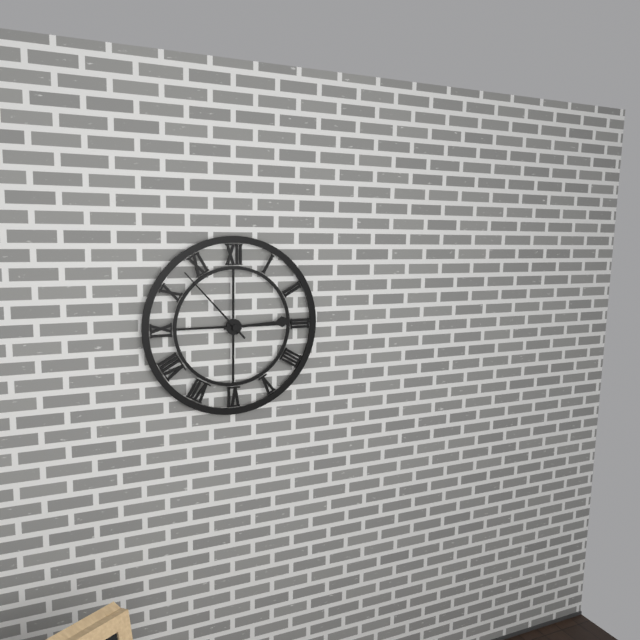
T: 2.53
